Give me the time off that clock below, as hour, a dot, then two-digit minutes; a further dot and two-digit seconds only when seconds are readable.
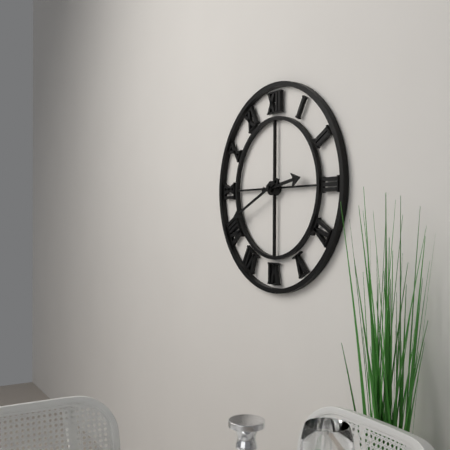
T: 2.41
